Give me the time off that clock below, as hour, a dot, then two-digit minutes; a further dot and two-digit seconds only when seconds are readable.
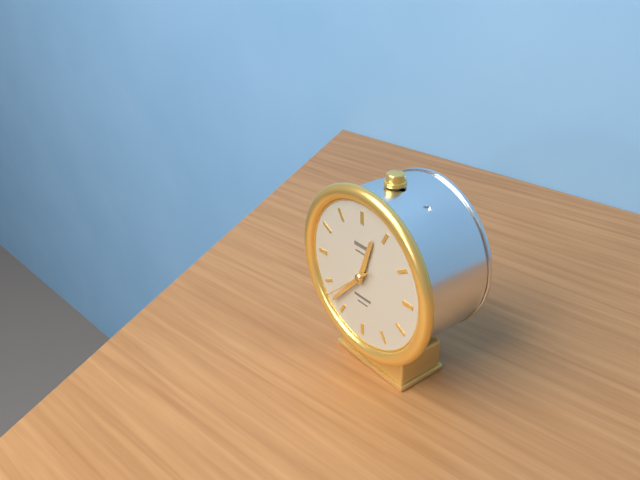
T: 12.37
